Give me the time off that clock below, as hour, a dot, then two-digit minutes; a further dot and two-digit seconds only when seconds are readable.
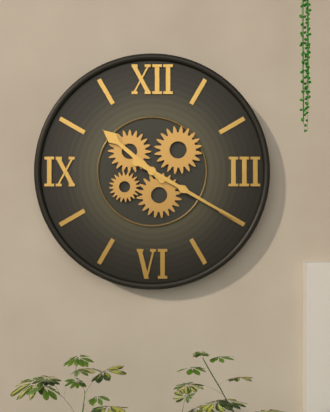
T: 10.20
